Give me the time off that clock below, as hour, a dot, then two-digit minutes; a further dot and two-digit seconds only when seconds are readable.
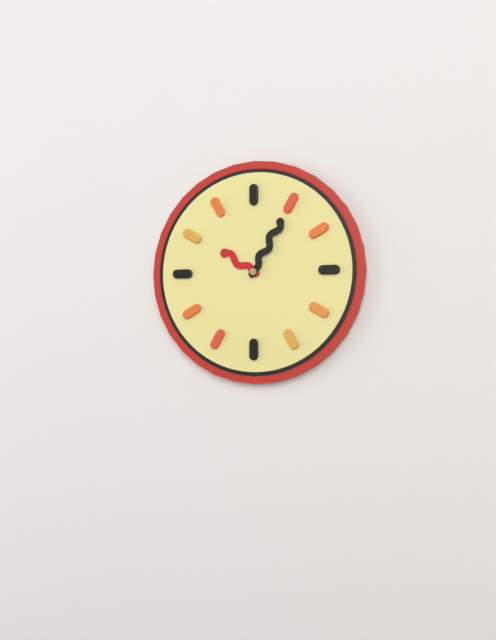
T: 10.05
